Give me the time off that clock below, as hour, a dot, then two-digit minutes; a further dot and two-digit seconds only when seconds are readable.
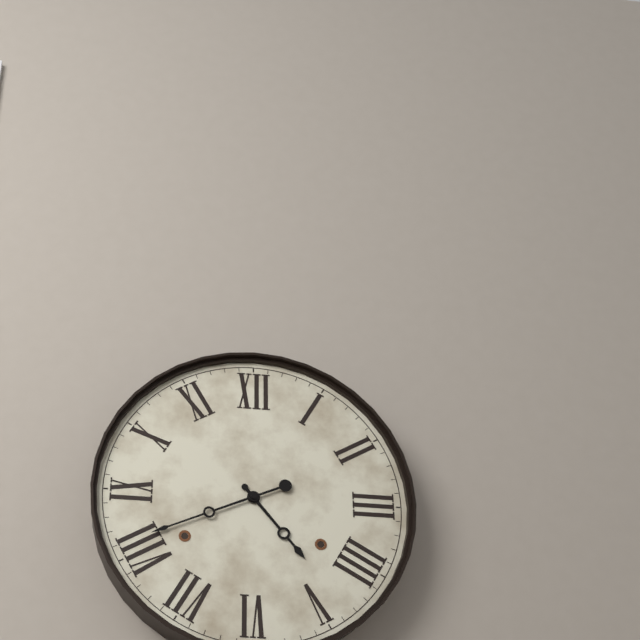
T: 4.41
